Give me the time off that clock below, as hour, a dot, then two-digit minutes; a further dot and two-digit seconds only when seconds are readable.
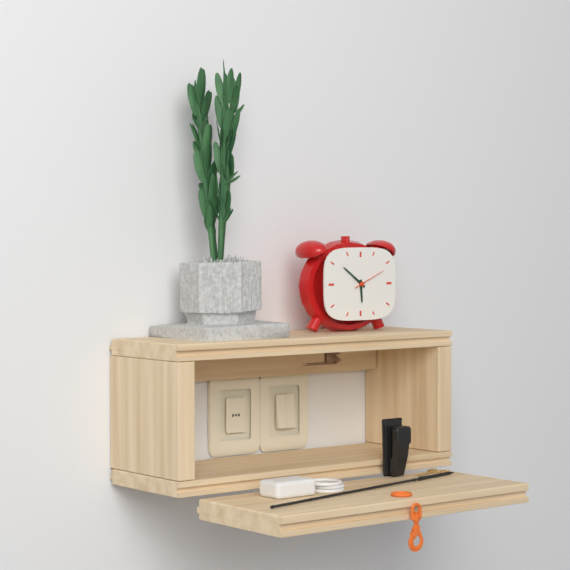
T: 5.51
